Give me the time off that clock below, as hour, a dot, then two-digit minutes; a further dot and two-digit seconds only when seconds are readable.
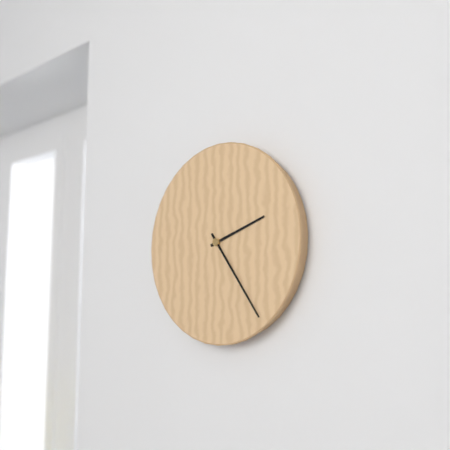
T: 2.24
